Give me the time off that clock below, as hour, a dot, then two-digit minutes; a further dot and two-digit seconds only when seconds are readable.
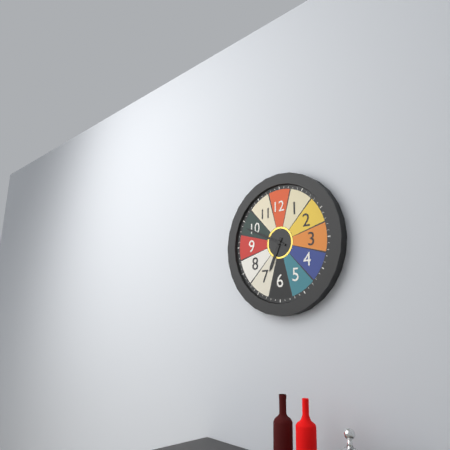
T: 6.49
